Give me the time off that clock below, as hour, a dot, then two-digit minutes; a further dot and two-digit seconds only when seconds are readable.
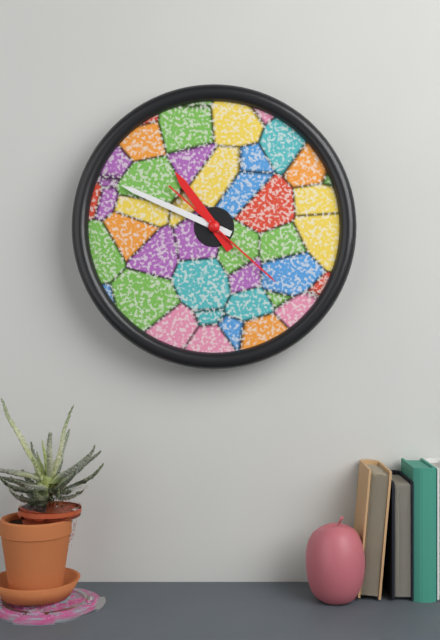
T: 10.49.22
